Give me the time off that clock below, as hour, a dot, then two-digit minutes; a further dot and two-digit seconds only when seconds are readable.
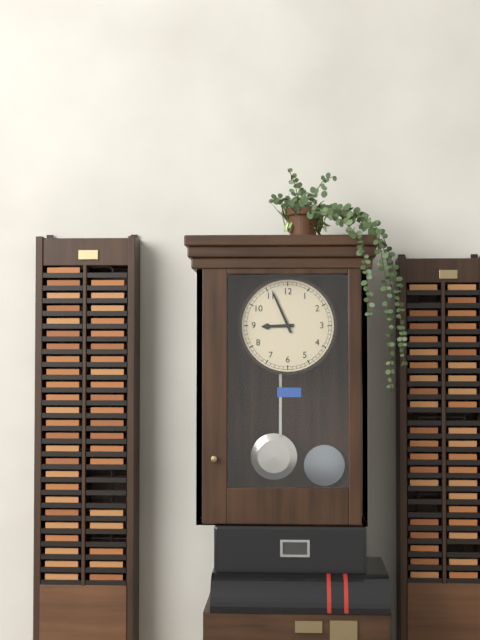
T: 8.56
